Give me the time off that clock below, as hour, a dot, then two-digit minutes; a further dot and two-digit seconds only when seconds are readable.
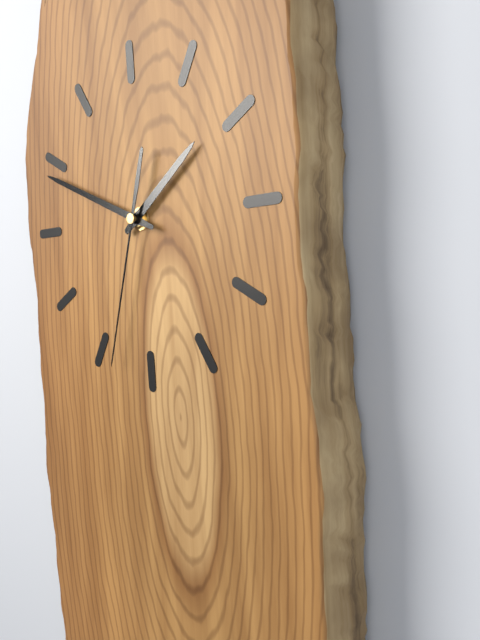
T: 1.49.33
